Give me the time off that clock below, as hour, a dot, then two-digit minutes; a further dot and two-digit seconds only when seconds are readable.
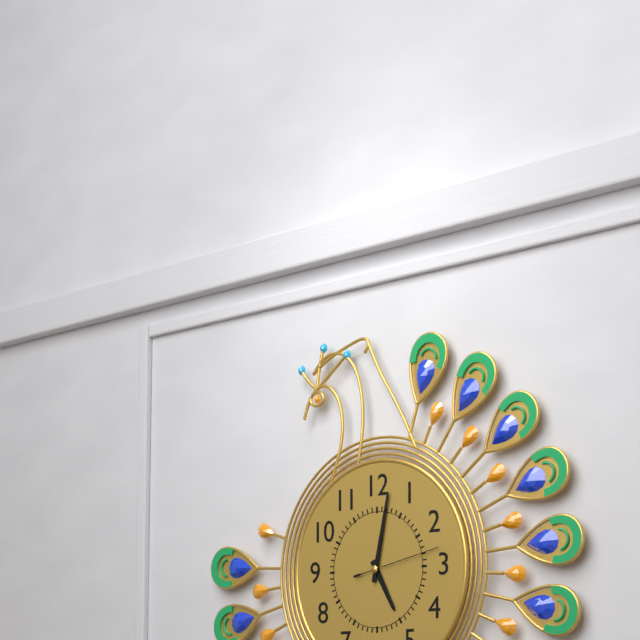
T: 5.02.13
